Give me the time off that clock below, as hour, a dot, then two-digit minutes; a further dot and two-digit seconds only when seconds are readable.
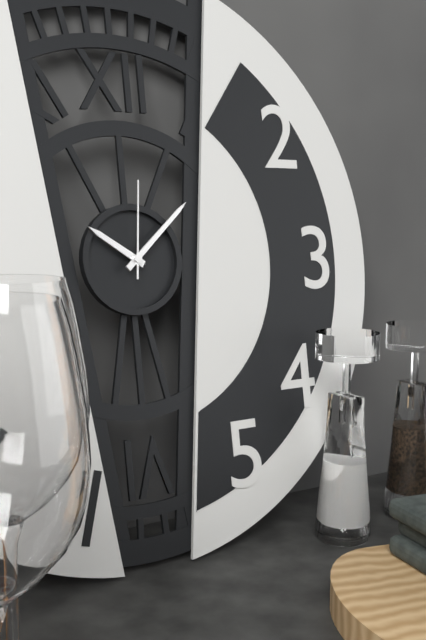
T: 10.08.01
